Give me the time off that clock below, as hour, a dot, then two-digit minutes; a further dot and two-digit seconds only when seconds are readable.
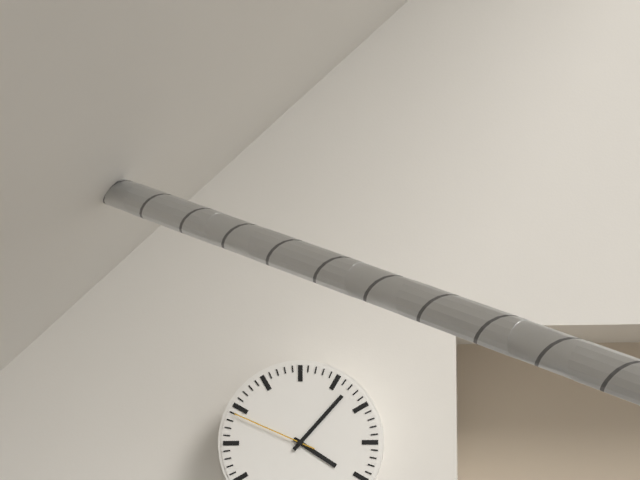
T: 4.07.49
